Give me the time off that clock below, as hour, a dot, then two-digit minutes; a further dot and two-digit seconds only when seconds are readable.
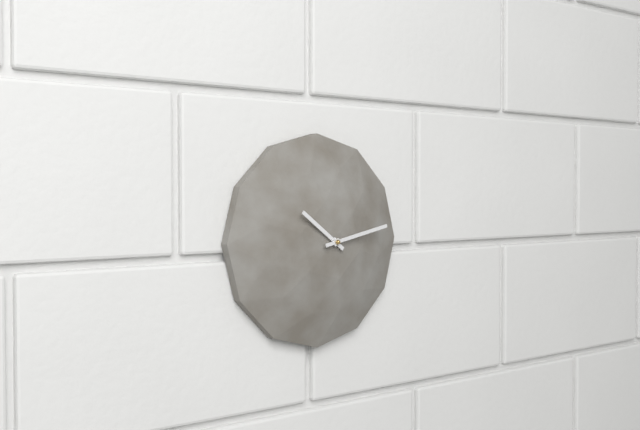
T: 10.13
